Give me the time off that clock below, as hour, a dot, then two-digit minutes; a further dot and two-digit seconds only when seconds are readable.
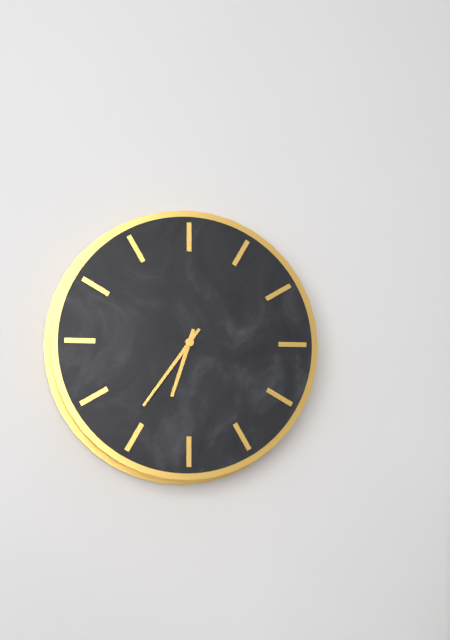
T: 6.36
